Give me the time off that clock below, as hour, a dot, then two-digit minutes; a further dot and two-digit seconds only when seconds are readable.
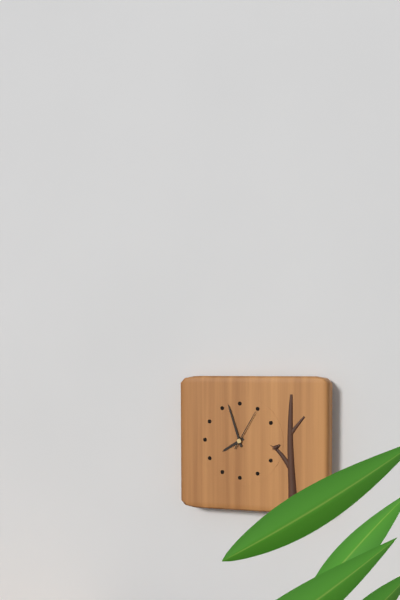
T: 7.57
